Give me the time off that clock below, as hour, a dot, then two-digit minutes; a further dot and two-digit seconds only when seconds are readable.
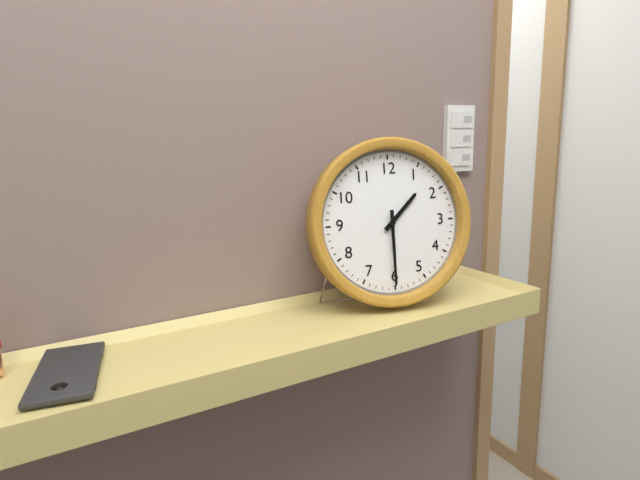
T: 1.30
